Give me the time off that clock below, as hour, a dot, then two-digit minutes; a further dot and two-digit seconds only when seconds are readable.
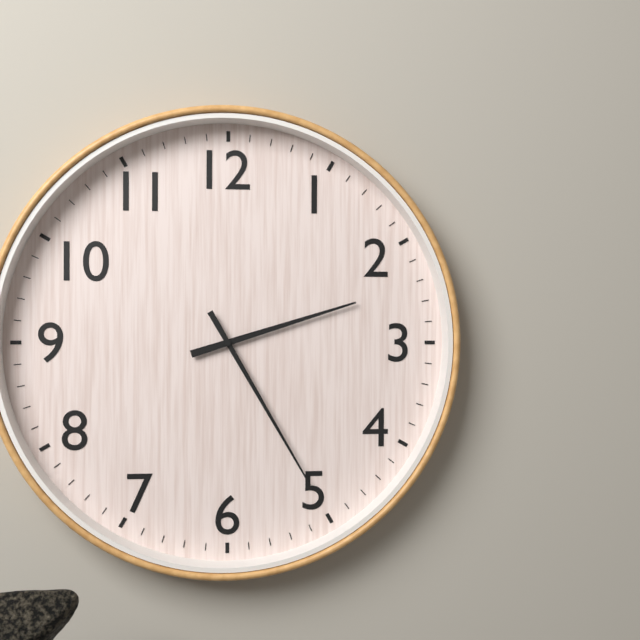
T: 2.25
